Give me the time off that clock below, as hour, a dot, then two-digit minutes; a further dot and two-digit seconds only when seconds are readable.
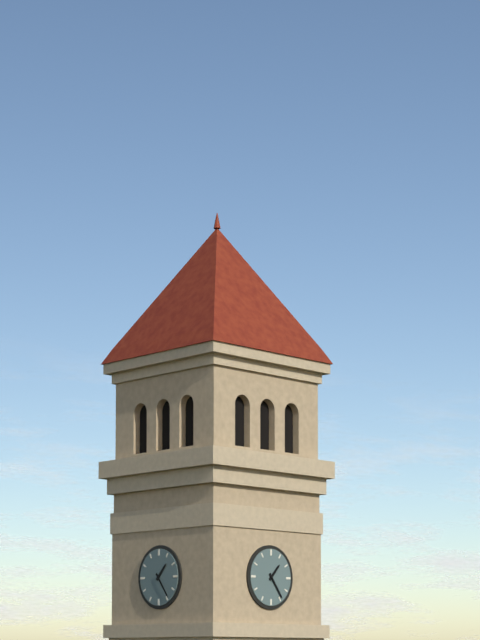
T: 1.24
